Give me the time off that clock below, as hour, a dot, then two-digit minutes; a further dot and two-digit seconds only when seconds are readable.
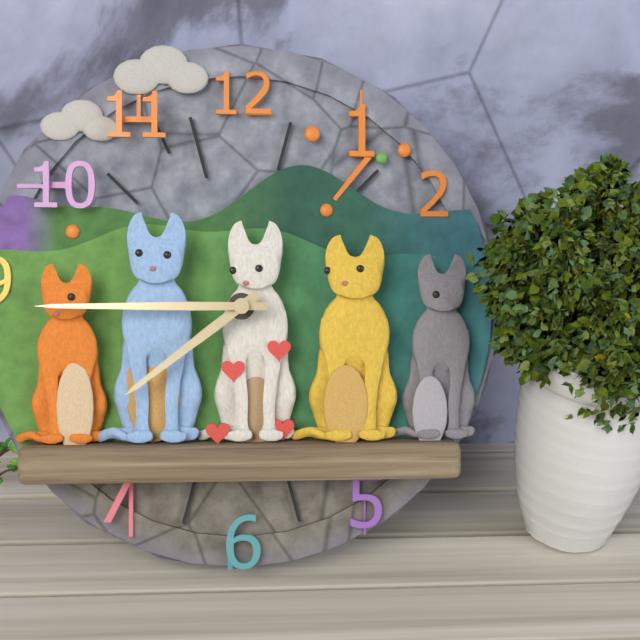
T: 7.45
